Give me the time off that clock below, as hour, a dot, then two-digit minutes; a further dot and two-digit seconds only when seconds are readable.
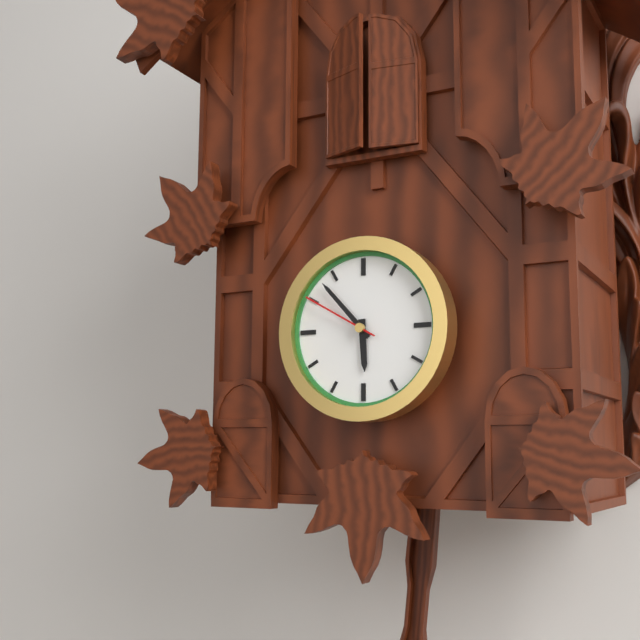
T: 5.53.50
